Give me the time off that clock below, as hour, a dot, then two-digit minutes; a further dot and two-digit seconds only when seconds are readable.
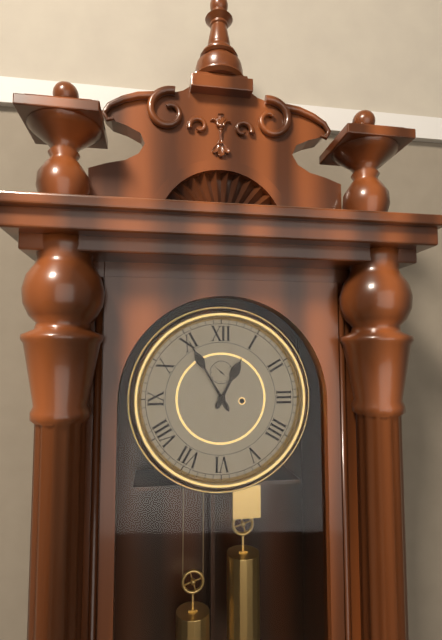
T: 12.55
